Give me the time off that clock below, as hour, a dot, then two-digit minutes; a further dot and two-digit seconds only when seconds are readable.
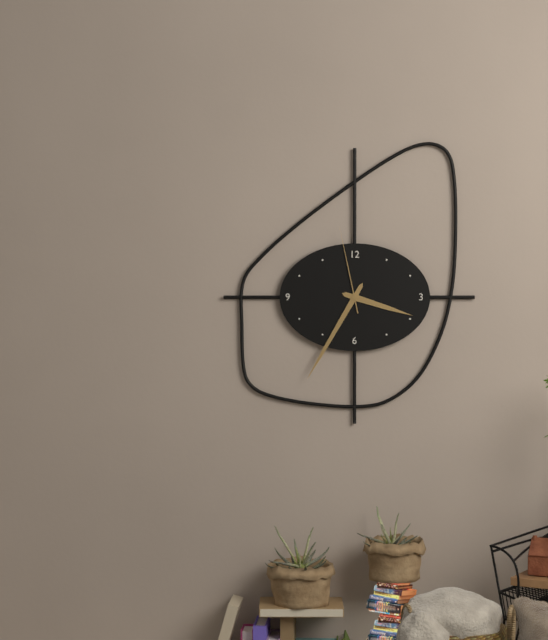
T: 3.35.58
